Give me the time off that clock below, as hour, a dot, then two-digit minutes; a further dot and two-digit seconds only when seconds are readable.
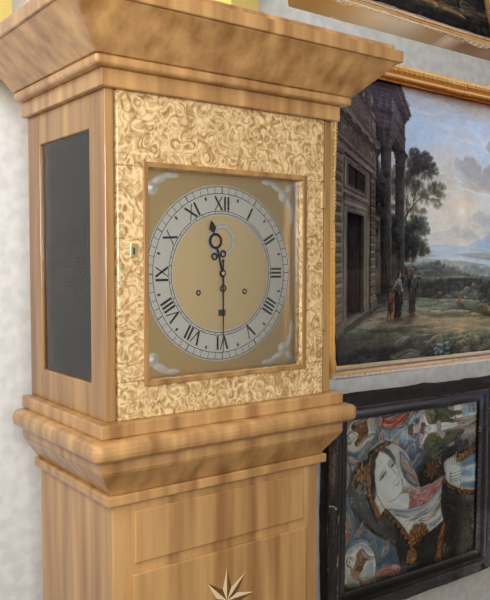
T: 11.30
